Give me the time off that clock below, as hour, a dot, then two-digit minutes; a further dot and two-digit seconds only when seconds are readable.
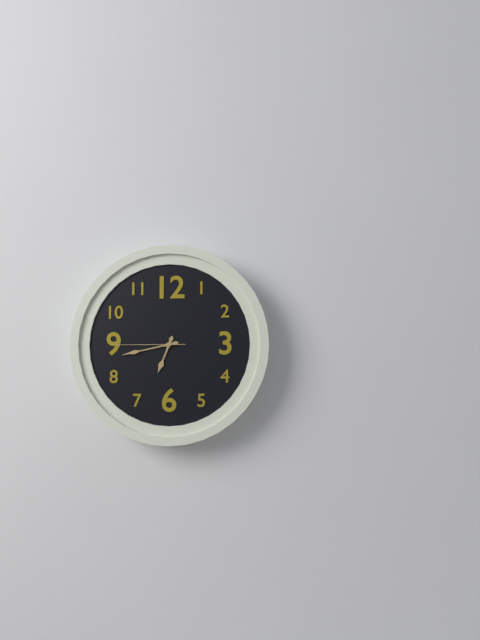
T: 6.43.45
